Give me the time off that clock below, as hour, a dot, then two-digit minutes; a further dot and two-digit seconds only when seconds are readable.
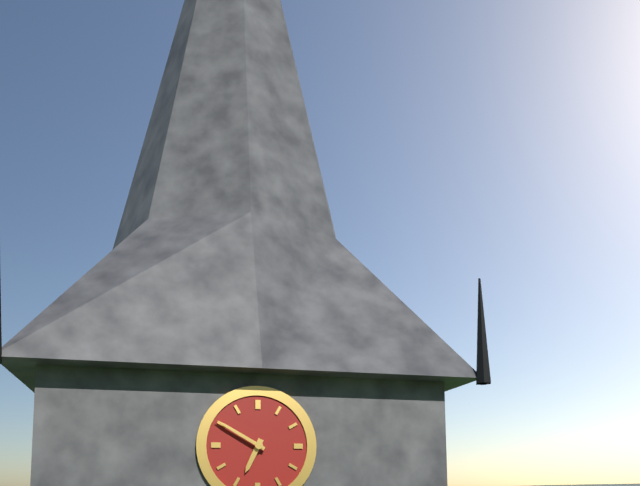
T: 6.50
